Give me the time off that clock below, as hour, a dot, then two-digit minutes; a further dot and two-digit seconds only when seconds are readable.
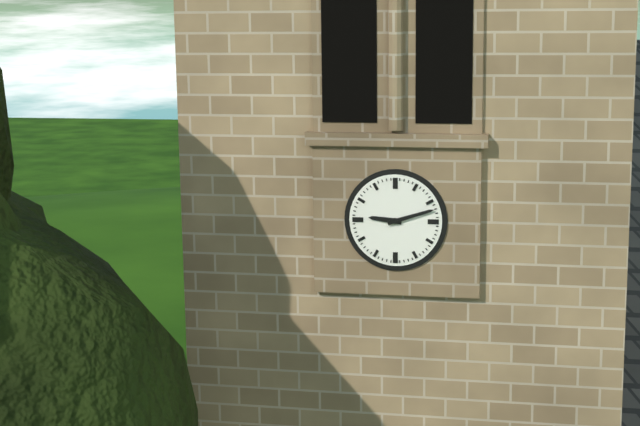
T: 9.12
